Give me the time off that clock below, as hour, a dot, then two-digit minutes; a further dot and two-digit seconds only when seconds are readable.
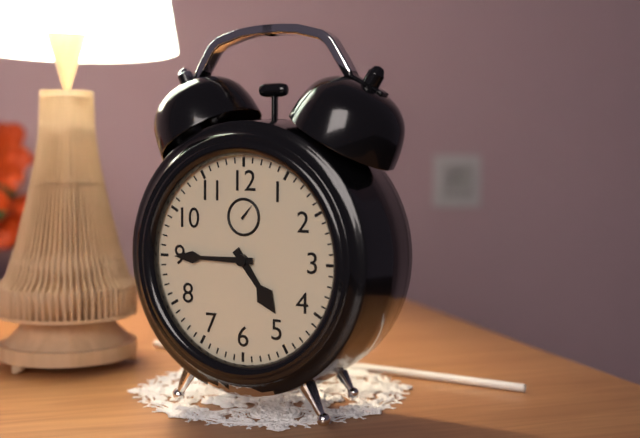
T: 4.45
